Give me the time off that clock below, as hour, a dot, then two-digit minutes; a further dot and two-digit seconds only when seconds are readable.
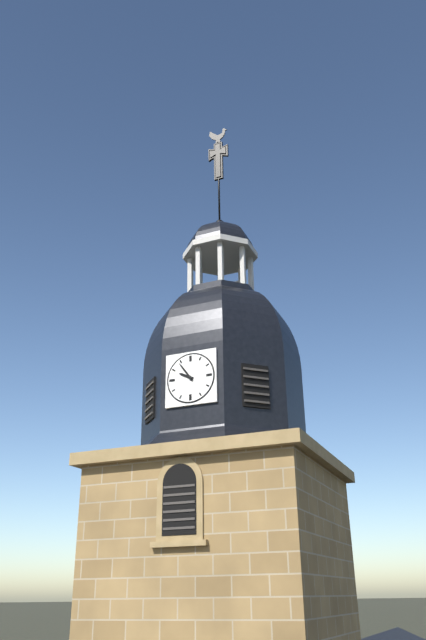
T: 9.54
